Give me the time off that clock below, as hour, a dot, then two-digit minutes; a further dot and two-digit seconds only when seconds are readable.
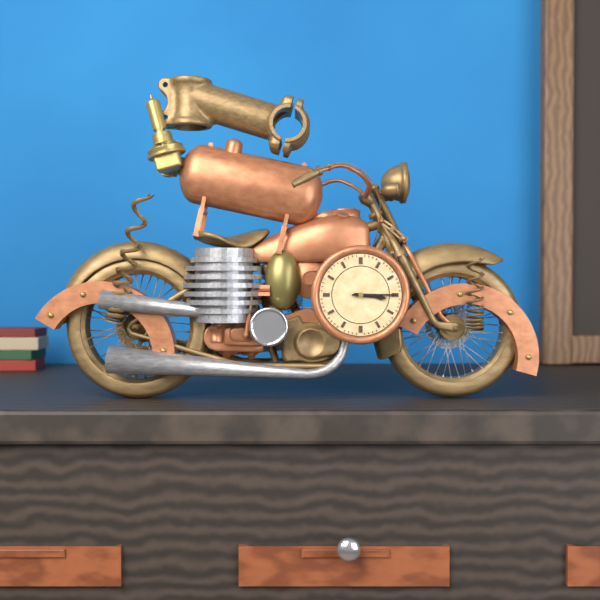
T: 3.15
